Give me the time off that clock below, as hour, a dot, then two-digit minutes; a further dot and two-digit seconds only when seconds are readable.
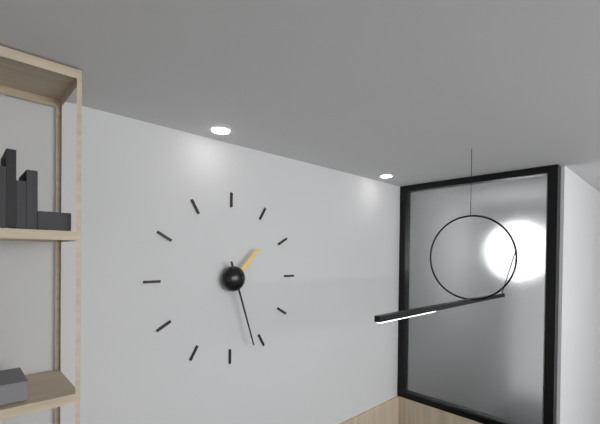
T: 1.27
